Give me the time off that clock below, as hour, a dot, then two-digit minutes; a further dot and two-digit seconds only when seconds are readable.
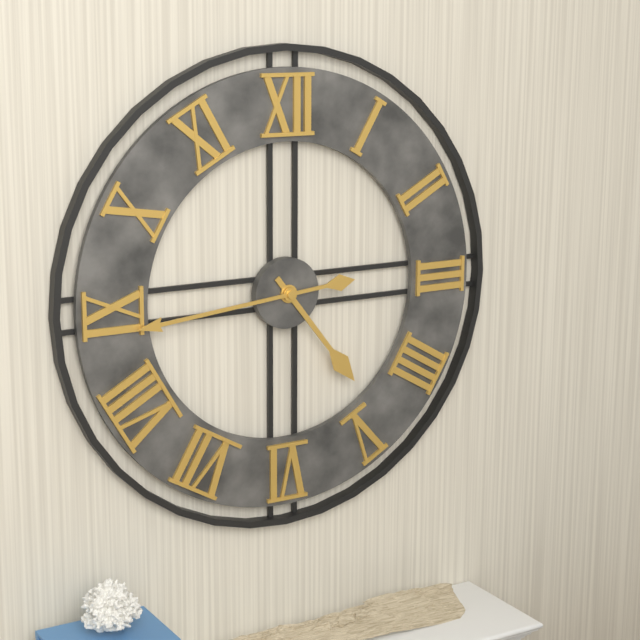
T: 4.44
